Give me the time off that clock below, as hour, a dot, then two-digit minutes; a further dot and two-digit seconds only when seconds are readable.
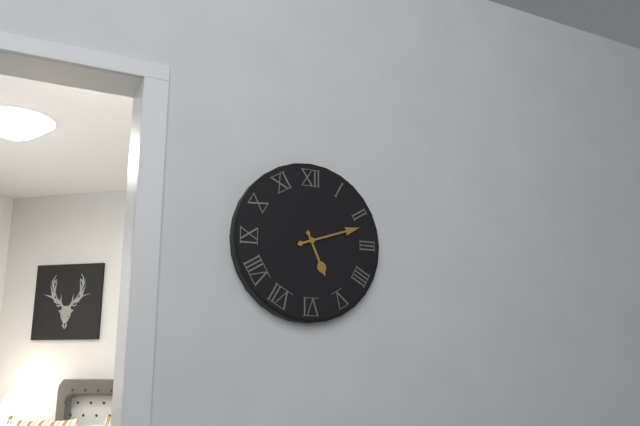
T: 5.12
